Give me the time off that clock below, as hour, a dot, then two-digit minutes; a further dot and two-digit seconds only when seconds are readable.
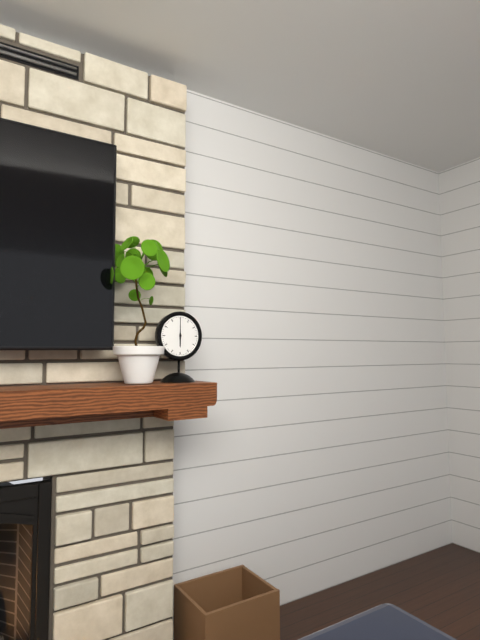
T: 6.00
